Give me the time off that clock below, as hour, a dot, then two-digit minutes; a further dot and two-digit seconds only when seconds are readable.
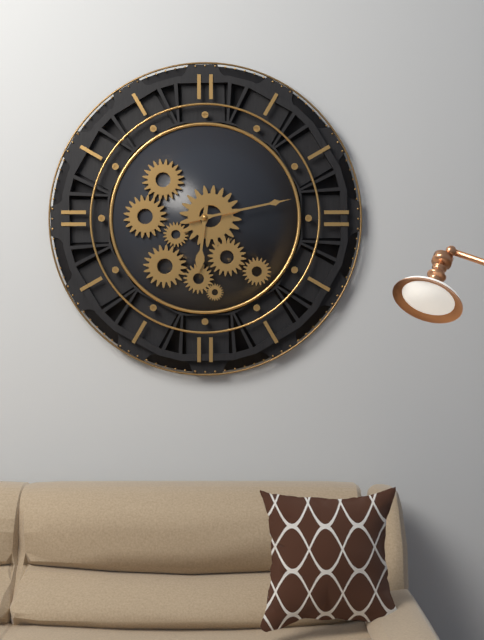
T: 6.13
